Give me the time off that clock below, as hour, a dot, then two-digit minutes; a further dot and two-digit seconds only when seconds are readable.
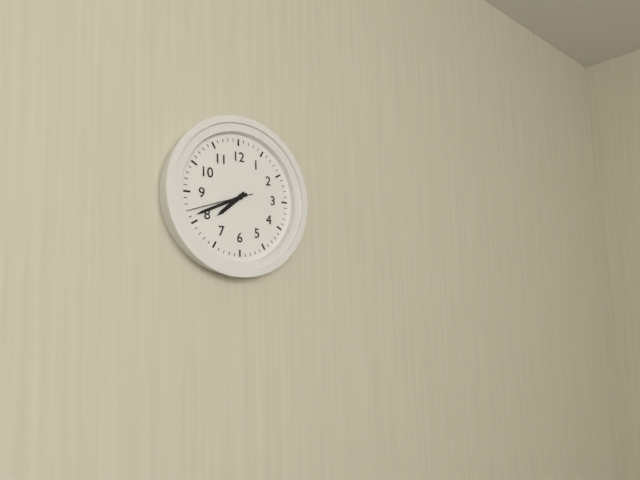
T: 7.41.42
